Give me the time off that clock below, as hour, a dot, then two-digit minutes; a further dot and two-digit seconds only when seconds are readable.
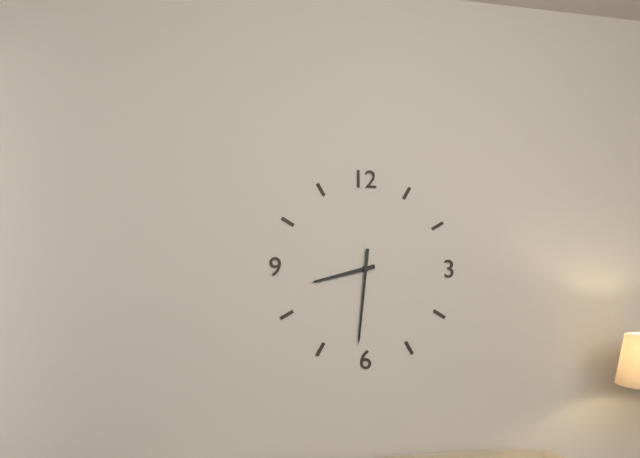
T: 8.31
